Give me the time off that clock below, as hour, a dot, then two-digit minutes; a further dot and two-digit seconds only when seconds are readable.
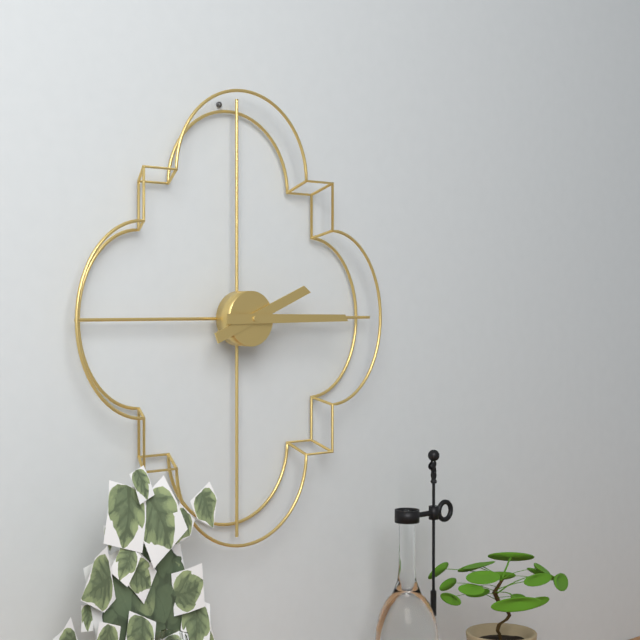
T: 2.15
